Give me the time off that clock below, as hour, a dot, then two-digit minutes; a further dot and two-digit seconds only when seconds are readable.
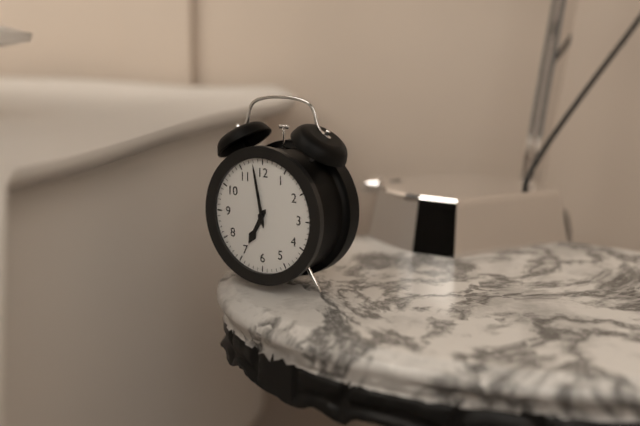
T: 6.58
